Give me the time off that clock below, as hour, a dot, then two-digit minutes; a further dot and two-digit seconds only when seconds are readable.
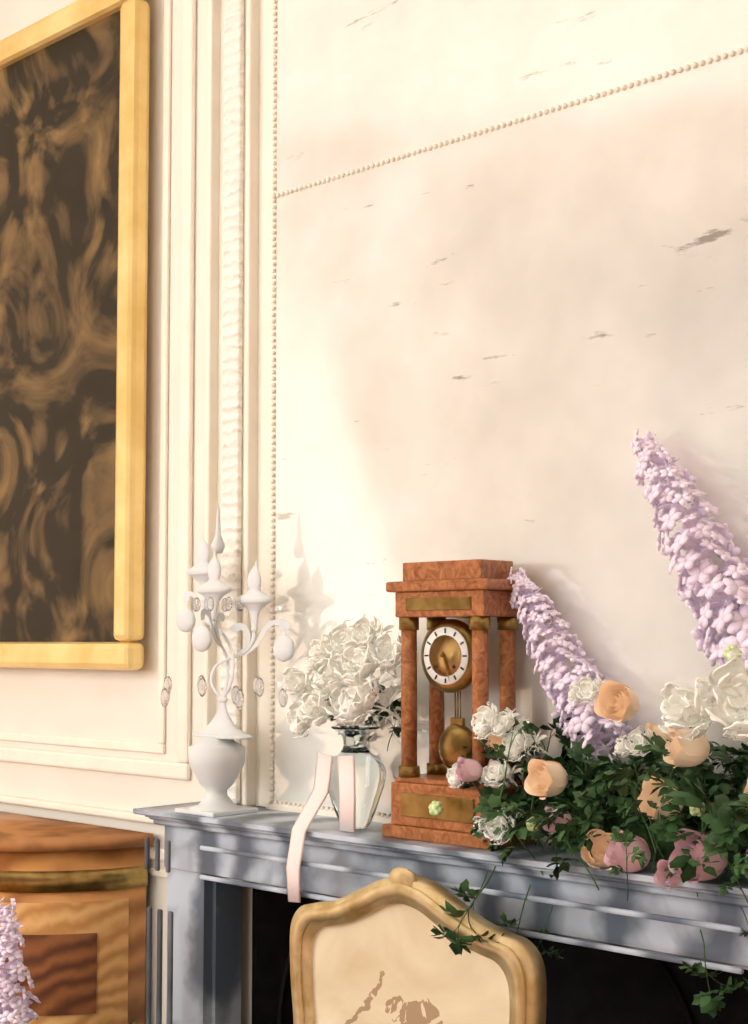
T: 5.27
